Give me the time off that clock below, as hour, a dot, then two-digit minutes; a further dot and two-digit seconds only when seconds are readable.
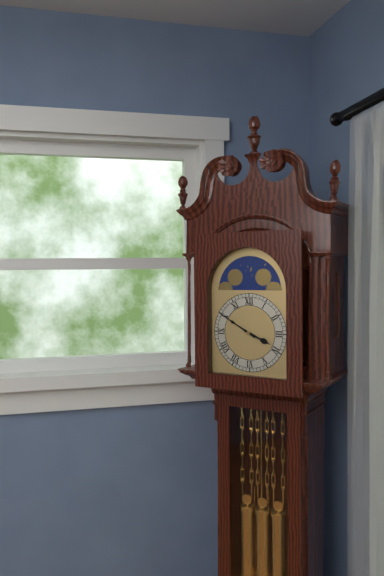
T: 3.50
